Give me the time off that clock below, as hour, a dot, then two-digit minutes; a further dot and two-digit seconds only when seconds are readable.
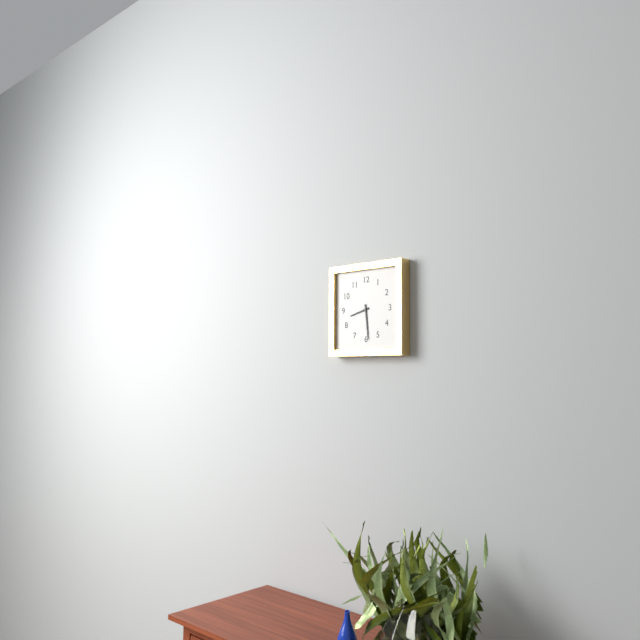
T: 8.29
